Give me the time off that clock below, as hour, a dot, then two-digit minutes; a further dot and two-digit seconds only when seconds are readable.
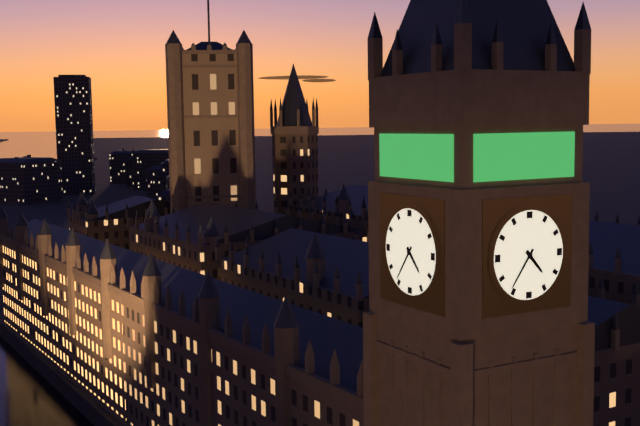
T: 4.36
